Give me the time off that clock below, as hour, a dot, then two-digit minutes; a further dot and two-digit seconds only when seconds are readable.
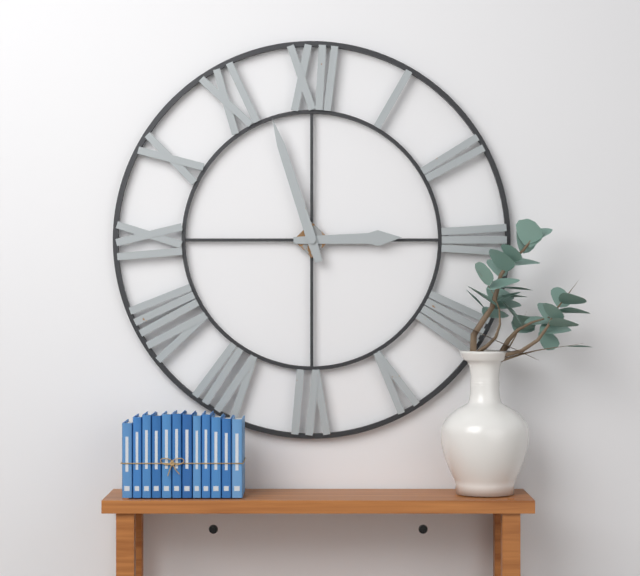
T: 2.57
